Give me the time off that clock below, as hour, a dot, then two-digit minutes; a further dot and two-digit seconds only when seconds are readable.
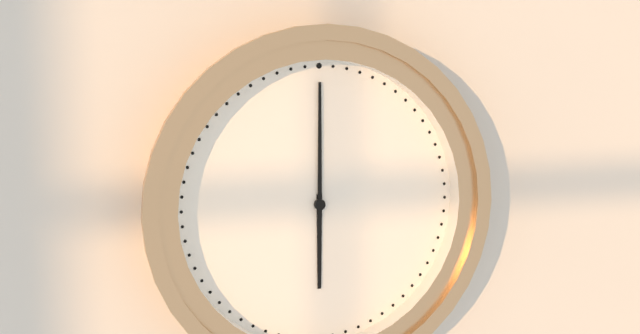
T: 6.00
